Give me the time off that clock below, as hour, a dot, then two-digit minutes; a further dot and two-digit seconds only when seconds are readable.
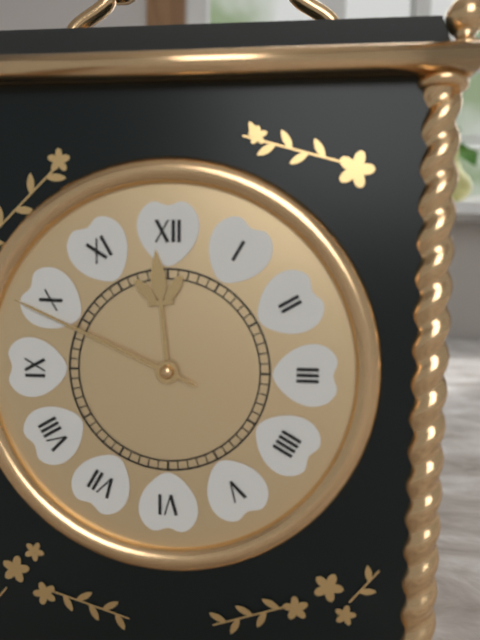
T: 11.49
